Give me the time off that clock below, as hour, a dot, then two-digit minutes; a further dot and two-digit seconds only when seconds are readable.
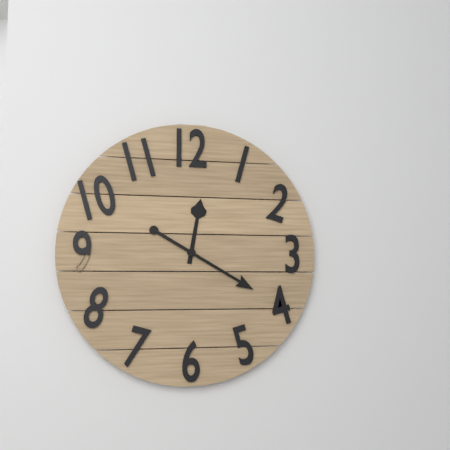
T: 12.20
